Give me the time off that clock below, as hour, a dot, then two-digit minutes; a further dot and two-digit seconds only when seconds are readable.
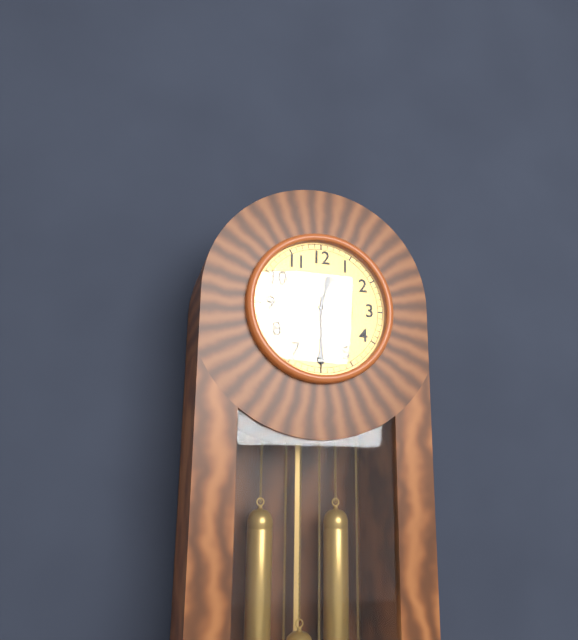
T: 12.30
